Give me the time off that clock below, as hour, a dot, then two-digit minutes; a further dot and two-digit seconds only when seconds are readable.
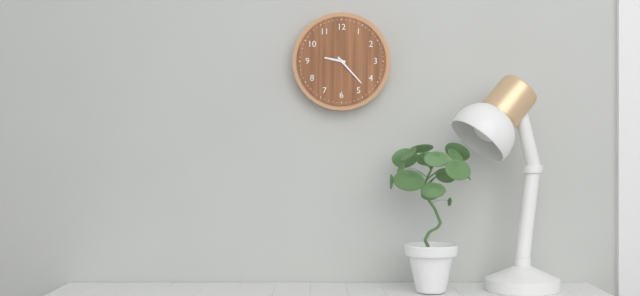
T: 9.23
